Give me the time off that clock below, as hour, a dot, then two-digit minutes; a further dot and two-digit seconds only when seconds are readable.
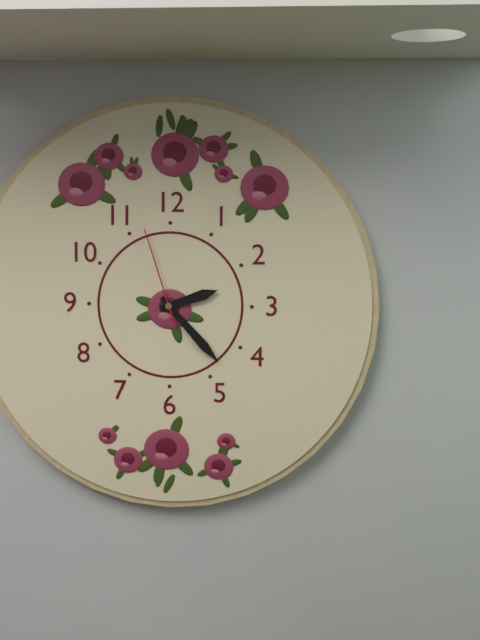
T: 2.23.57
